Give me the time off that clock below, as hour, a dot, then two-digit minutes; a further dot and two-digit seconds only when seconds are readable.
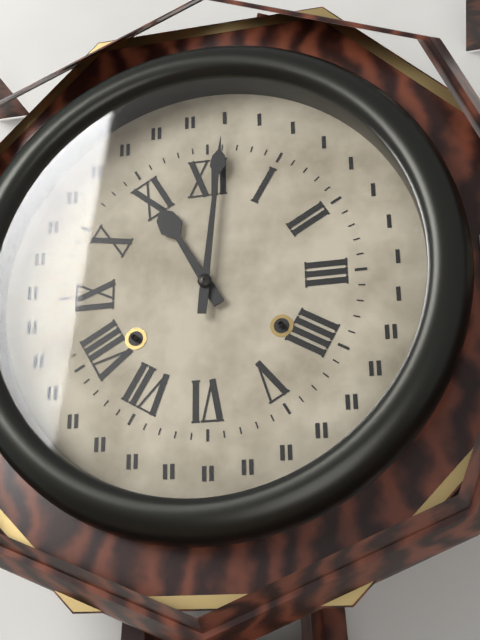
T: 11.01
